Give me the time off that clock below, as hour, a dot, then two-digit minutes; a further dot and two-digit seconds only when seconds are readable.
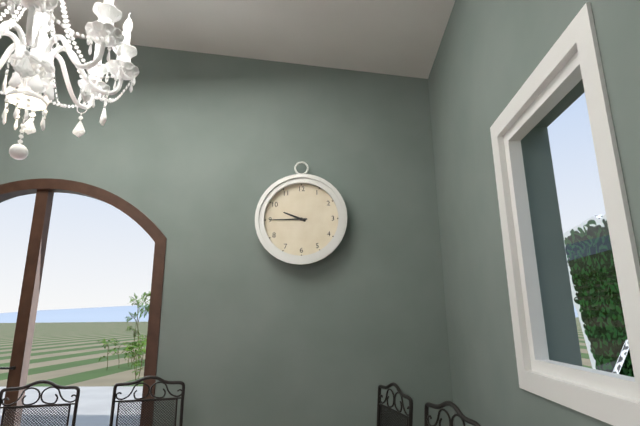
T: 9.45
